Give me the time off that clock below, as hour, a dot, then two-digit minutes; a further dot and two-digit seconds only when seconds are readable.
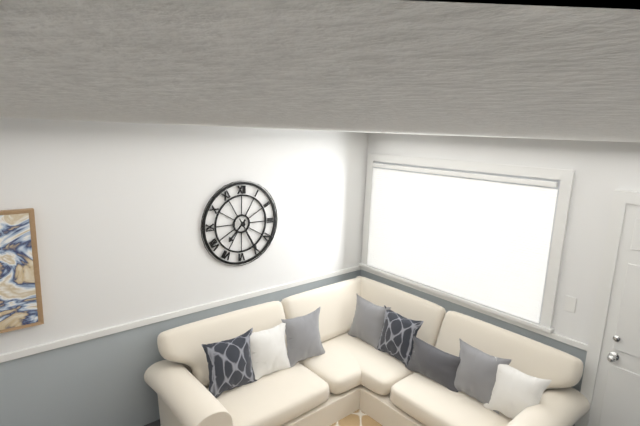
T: 7.25
